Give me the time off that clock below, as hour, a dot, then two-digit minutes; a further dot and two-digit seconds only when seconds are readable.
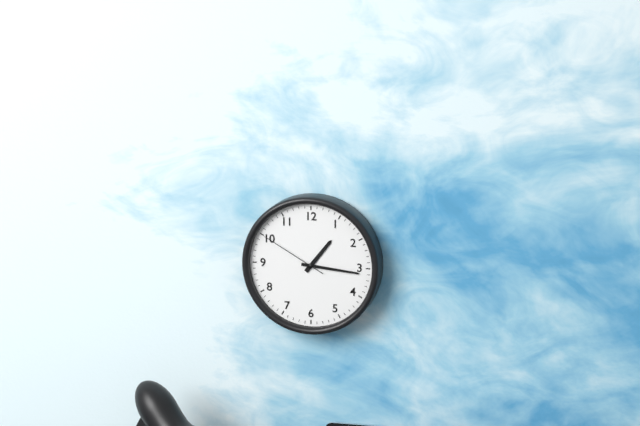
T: 1.16.50
